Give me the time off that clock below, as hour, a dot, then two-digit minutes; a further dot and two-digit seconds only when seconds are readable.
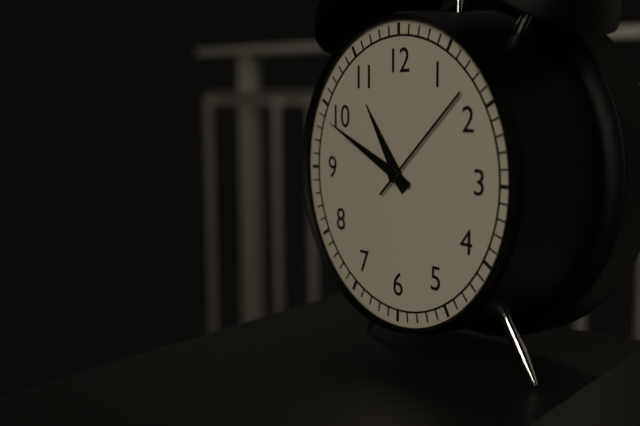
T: 10.49.08
